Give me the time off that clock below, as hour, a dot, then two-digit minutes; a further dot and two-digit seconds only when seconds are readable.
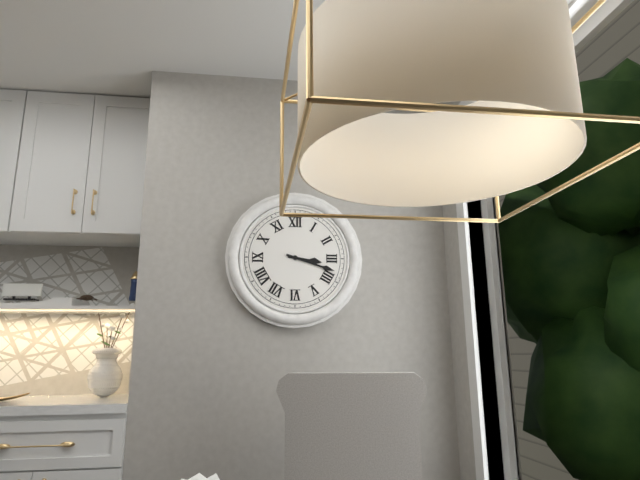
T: 3.18
